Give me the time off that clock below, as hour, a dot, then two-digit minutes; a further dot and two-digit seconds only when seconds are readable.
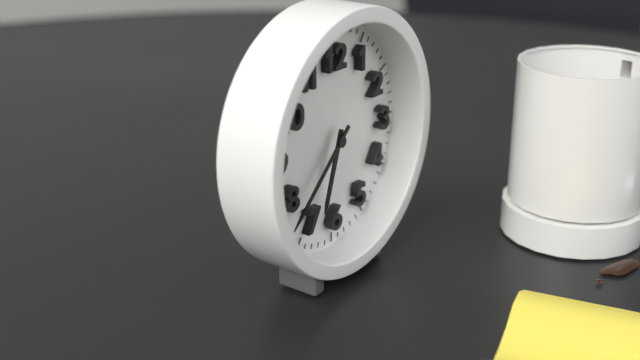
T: 6.38
